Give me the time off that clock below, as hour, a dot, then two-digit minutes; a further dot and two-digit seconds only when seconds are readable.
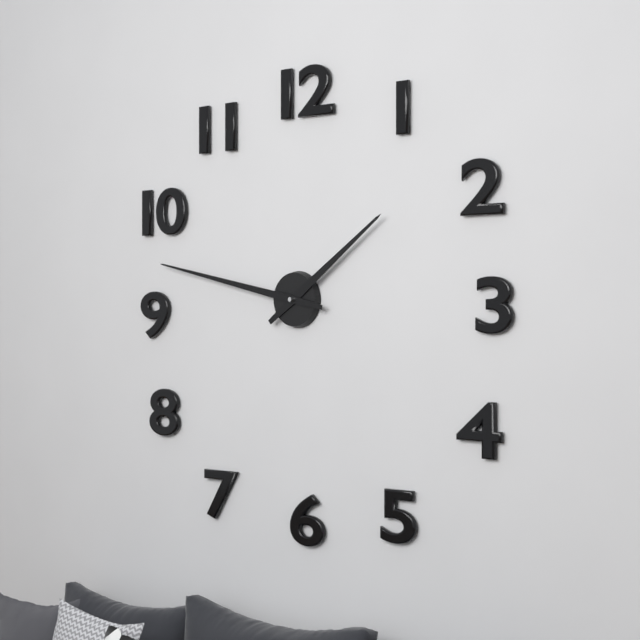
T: 1.47
